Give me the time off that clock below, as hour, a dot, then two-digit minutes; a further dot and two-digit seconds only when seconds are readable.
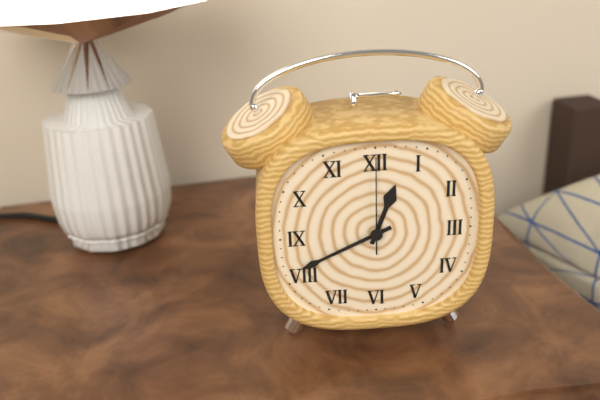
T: 12.41.00
